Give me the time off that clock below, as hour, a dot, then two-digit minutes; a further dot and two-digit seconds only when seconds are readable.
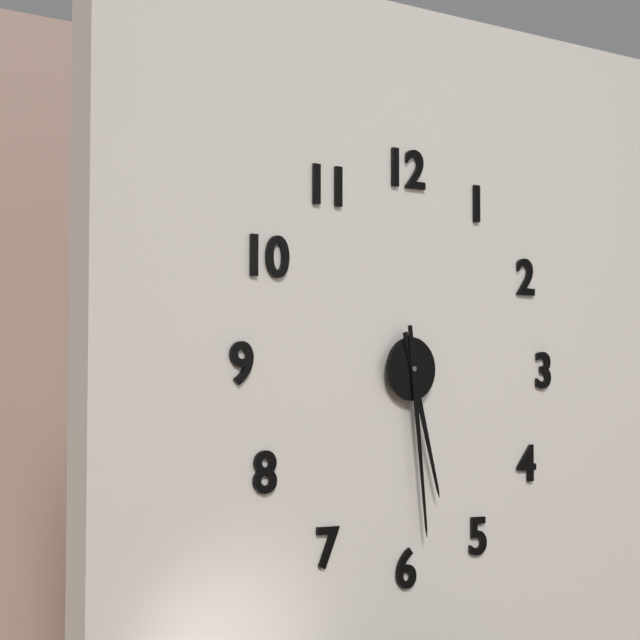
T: 5.29
